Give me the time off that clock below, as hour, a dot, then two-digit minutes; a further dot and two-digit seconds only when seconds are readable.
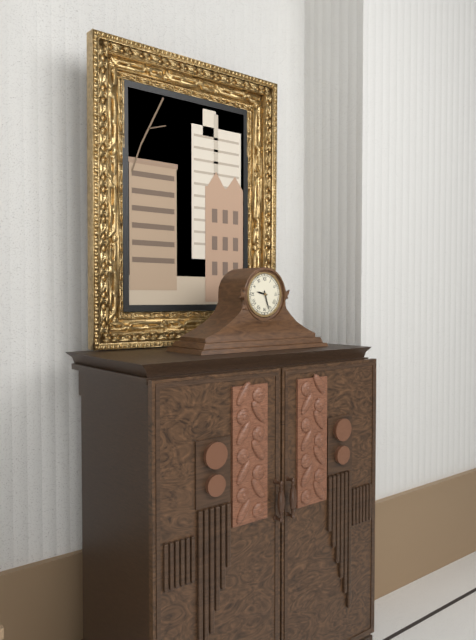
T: 9.27
